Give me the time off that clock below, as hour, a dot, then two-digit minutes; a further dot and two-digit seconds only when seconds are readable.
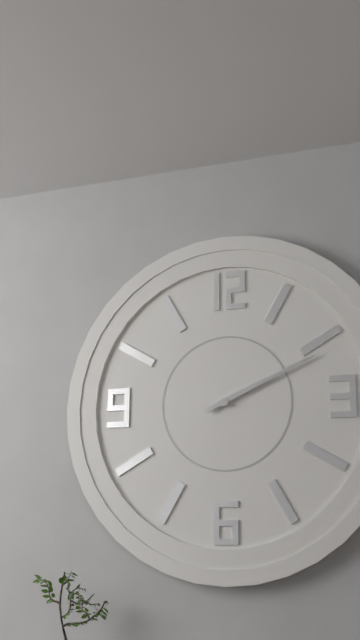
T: 2.11
